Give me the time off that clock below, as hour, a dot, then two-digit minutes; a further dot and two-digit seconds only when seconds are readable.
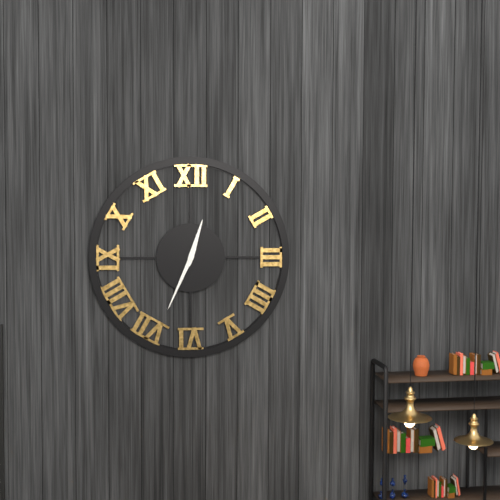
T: 12.34
